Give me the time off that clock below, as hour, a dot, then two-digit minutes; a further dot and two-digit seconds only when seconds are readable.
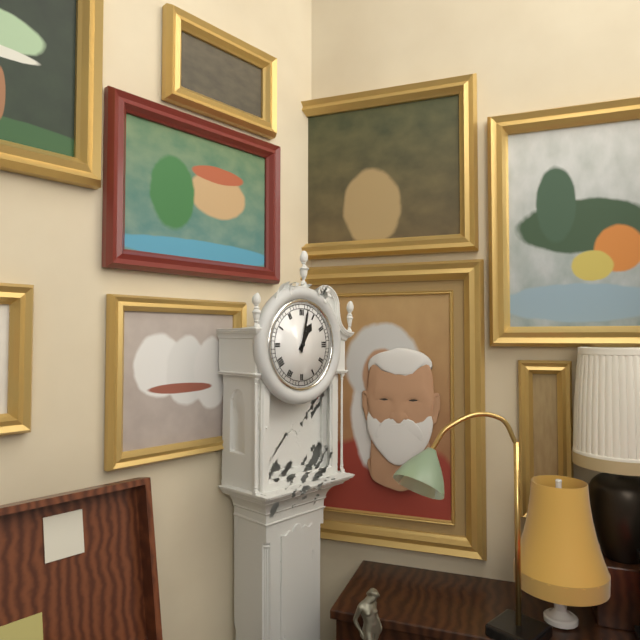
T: 1.02
